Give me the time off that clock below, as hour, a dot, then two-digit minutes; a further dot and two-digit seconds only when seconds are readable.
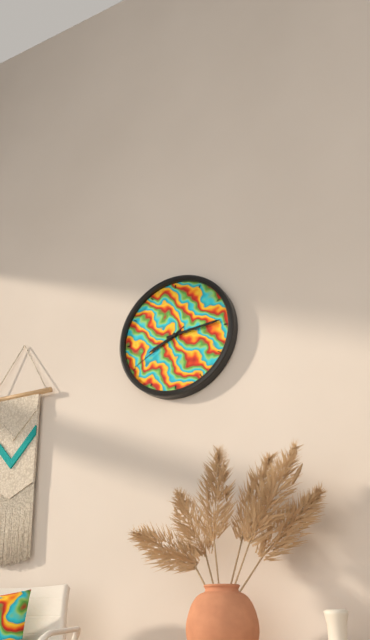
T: 8.14.40
